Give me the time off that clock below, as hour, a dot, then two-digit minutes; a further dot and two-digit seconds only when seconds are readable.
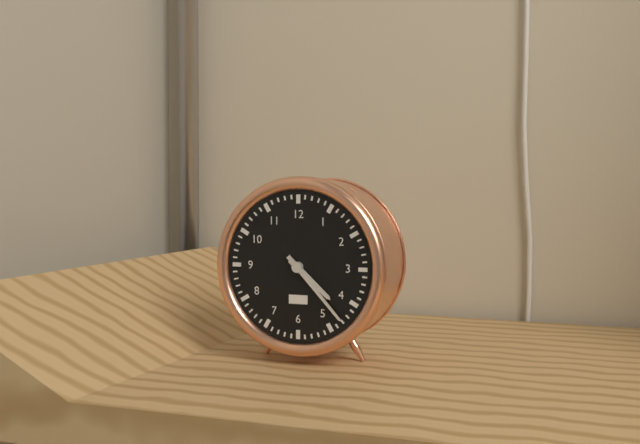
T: 4.23
